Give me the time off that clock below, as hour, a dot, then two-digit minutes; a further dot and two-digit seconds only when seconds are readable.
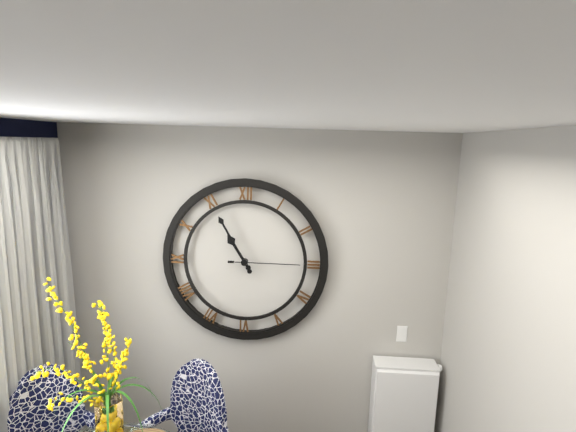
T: 10.55.15
